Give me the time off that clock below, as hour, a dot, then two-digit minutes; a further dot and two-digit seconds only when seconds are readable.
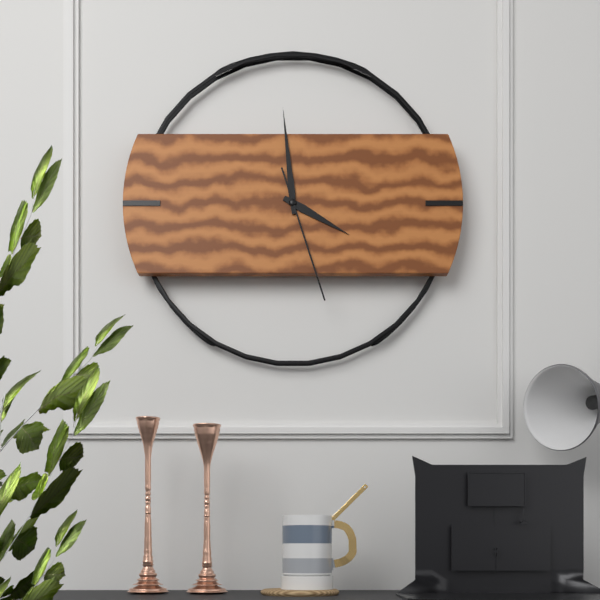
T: 3.59.27
